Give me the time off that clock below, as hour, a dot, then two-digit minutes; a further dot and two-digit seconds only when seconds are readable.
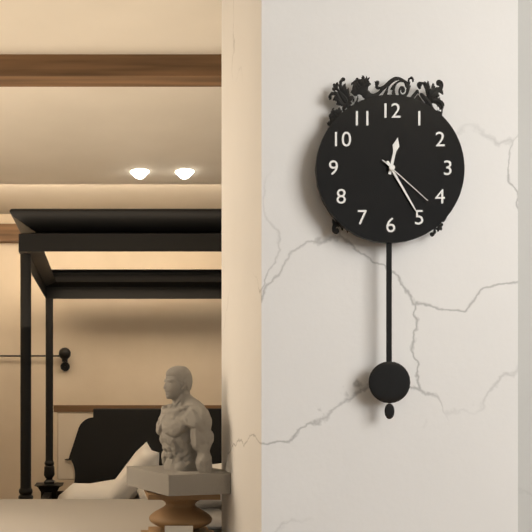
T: 12.25.22
